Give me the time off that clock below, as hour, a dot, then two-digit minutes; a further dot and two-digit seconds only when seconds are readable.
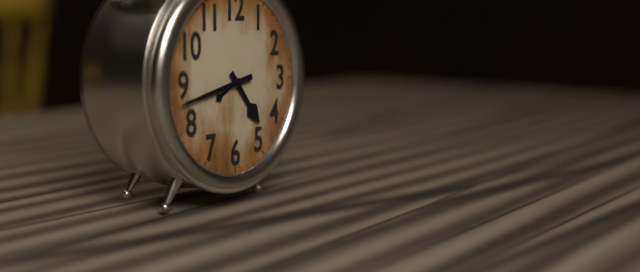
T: 4.43
